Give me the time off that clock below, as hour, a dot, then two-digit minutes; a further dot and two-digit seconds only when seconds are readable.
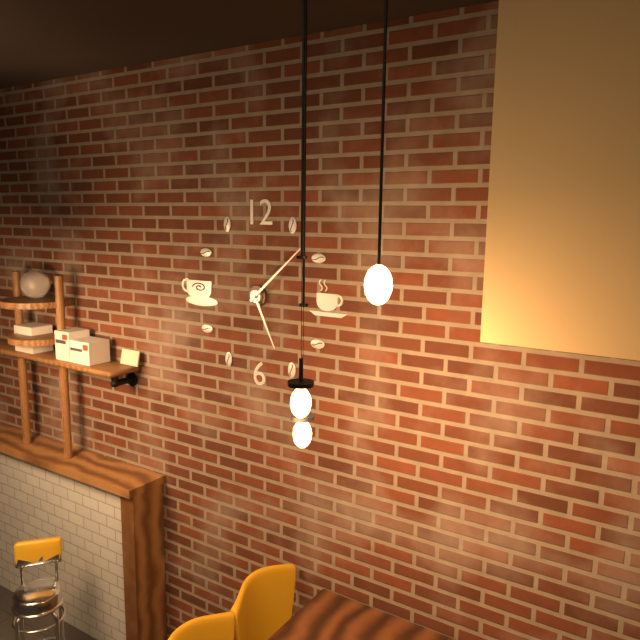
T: 5.08
